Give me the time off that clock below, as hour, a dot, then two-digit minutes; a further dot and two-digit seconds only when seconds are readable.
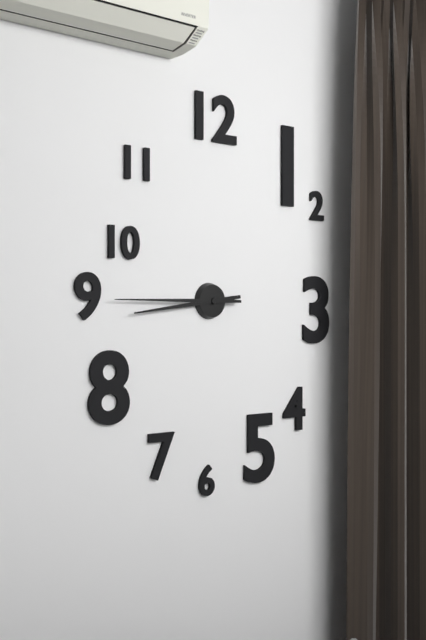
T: 8.45
